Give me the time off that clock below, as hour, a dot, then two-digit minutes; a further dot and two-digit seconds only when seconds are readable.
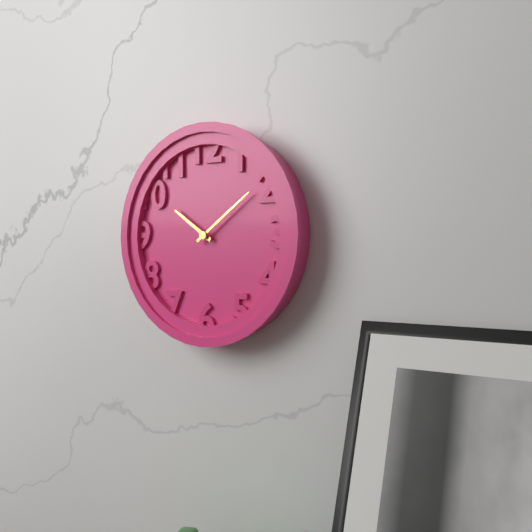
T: 10.09
